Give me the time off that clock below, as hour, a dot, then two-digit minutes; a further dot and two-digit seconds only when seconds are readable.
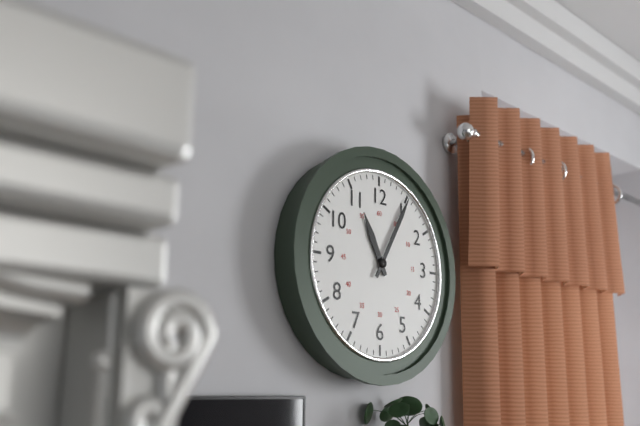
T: 11.05
